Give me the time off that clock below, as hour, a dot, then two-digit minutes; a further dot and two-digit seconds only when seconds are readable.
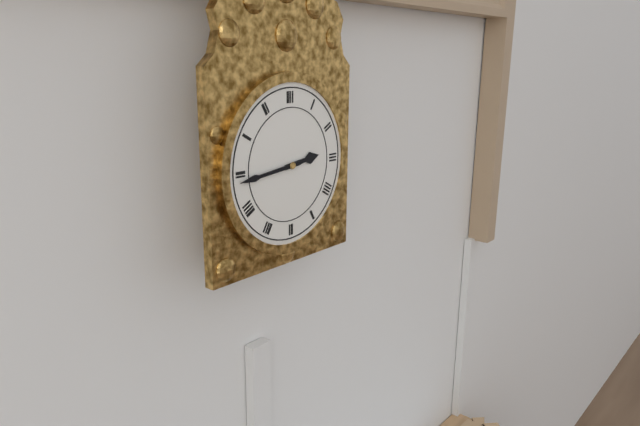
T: 2.44
